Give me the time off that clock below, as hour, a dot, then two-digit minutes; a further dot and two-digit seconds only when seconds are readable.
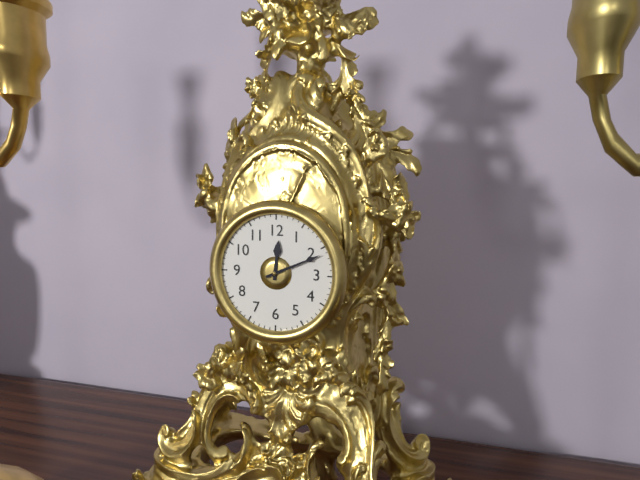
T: 12.11
